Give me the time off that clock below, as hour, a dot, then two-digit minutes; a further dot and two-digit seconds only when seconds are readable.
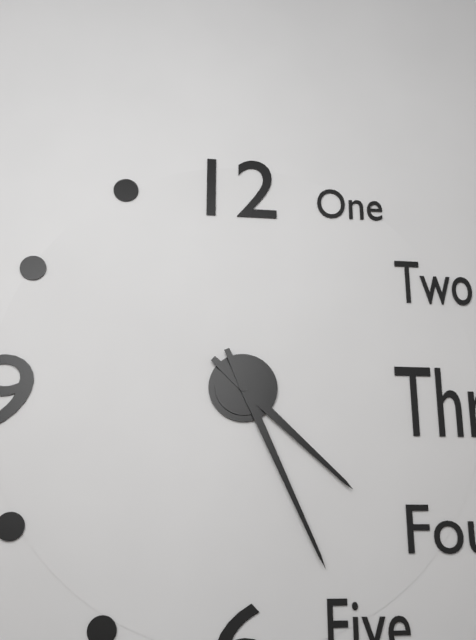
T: 4.26
